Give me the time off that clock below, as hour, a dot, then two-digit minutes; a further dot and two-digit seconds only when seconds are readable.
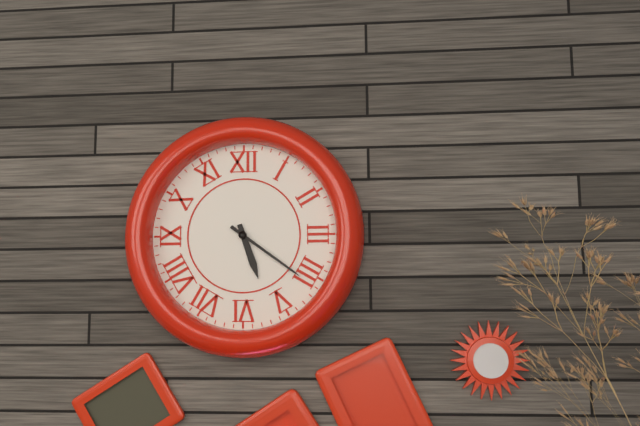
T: 5.21
